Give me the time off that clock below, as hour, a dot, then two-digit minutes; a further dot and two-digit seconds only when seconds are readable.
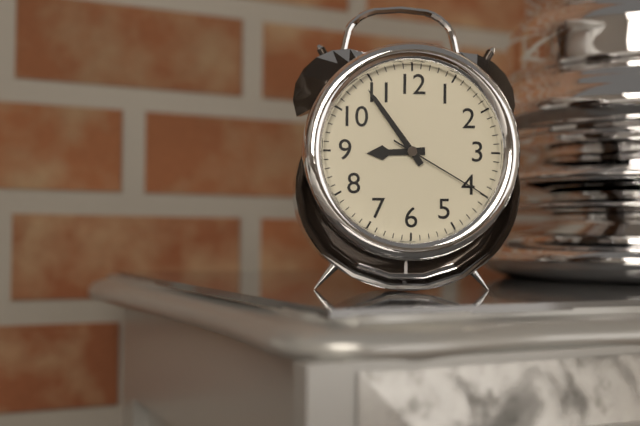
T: 8.54.20
